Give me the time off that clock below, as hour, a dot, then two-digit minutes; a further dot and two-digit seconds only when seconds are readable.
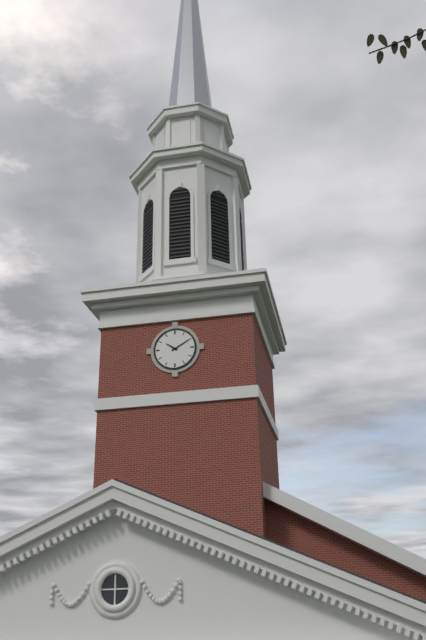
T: 10.10
